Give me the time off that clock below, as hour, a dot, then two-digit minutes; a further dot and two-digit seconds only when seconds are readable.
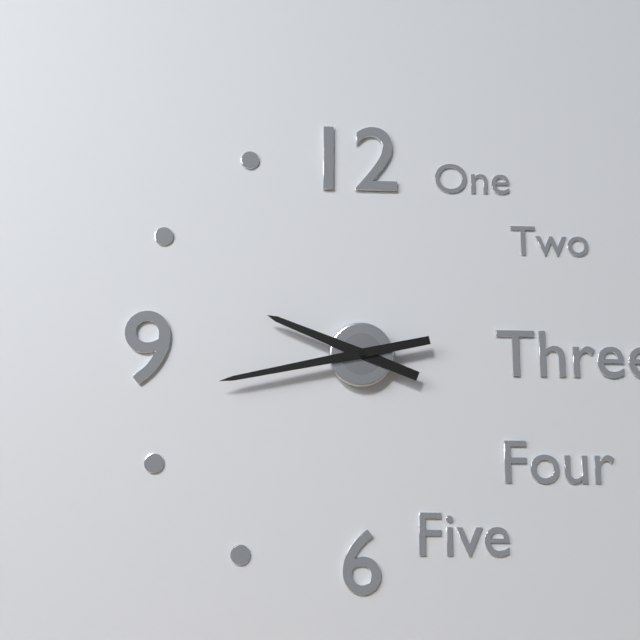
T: 9.43
